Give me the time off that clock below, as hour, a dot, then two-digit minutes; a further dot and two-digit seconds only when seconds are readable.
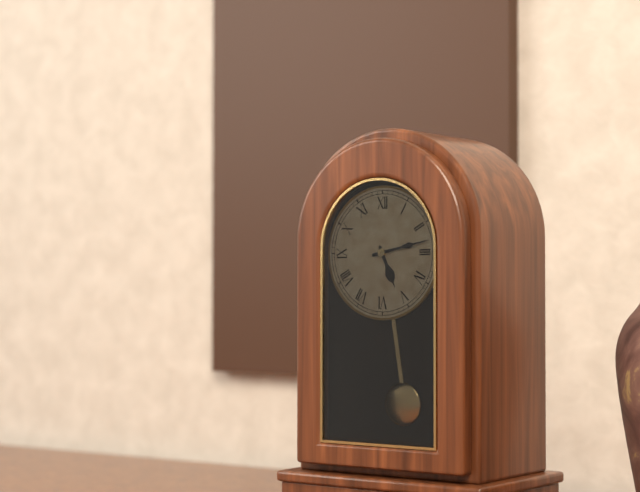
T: 5.13
